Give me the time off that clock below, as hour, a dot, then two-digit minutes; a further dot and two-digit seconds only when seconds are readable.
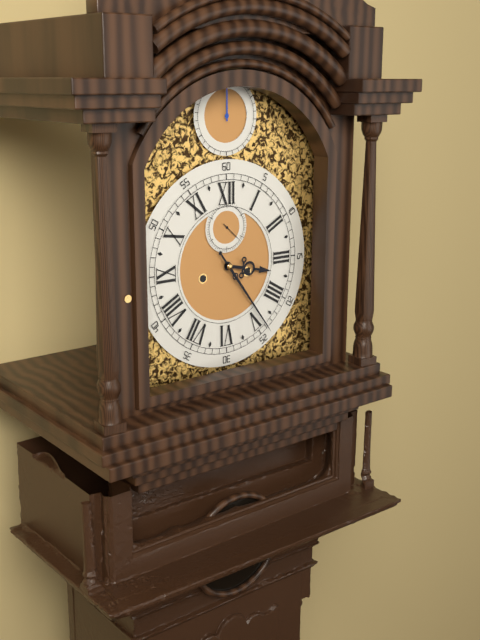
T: 3.24
